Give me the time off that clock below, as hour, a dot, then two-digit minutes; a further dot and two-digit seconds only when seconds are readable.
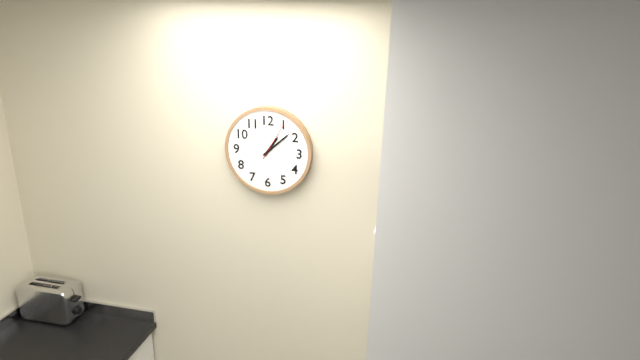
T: 1.08
